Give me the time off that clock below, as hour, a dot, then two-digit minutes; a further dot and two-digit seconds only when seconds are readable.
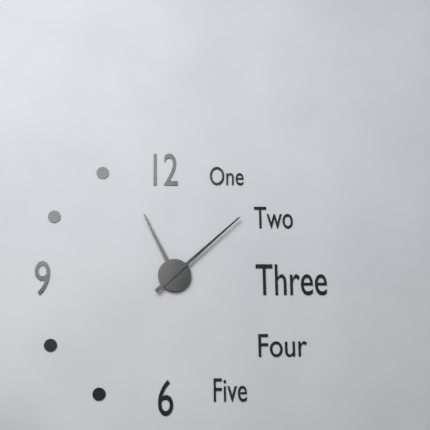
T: 11.08
